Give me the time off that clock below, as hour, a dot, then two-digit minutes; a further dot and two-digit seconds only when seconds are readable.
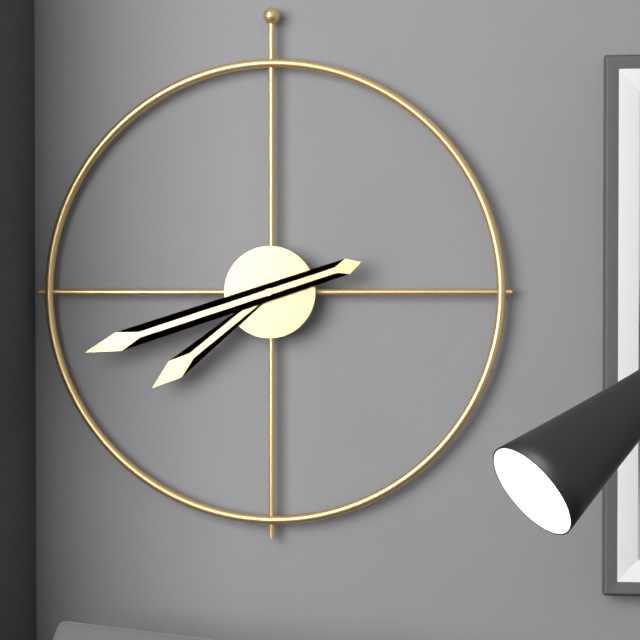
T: 7.42
